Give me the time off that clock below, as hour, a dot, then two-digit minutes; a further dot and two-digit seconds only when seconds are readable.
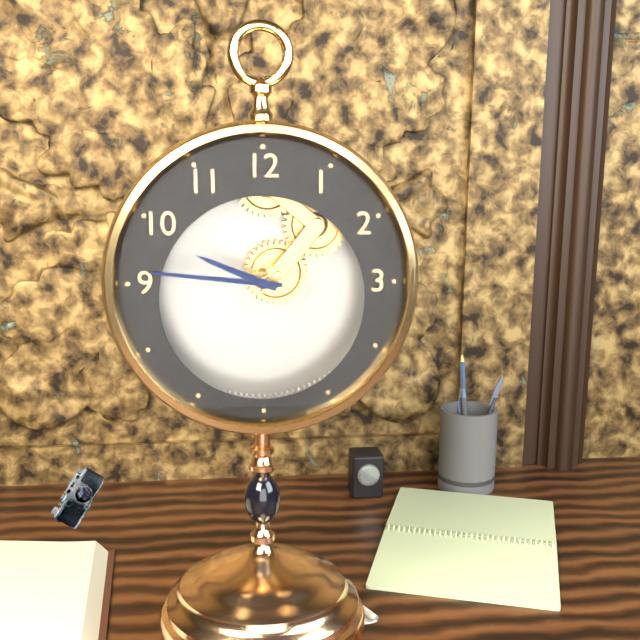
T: 9.46
